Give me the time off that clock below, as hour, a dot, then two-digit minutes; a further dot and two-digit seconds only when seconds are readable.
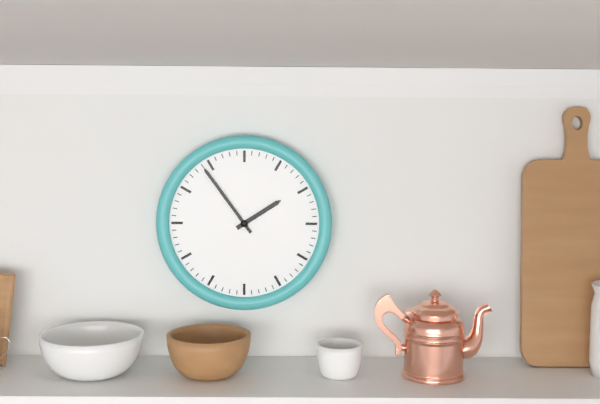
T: 1.54
